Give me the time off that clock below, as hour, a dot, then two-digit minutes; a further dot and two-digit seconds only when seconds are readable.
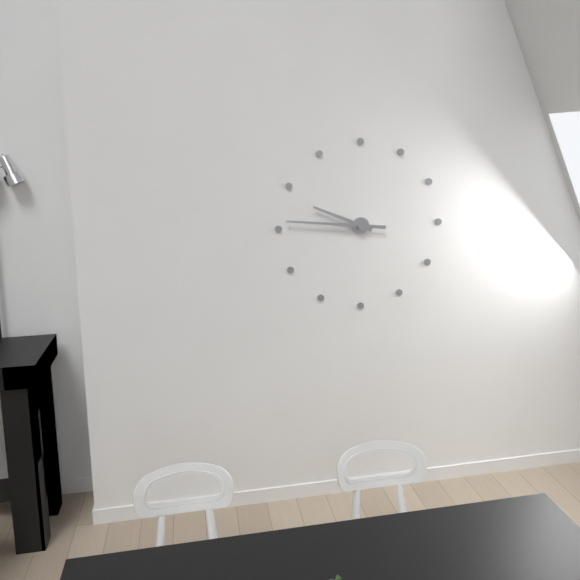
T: 9.46
